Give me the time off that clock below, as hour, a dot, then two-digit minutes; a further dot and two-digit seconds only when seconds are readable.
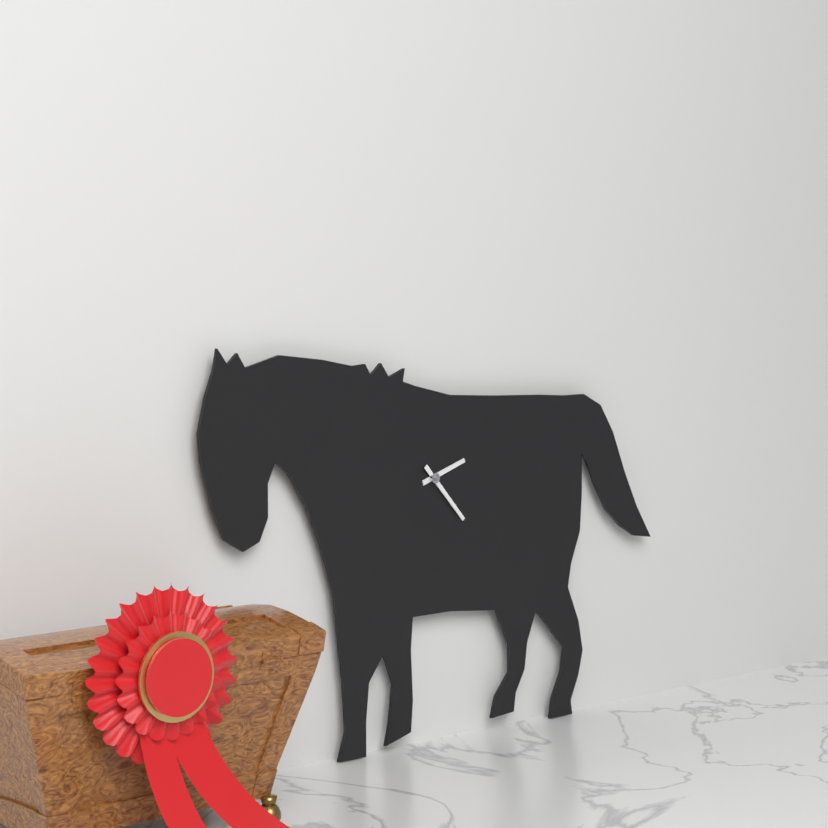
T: 2.23
